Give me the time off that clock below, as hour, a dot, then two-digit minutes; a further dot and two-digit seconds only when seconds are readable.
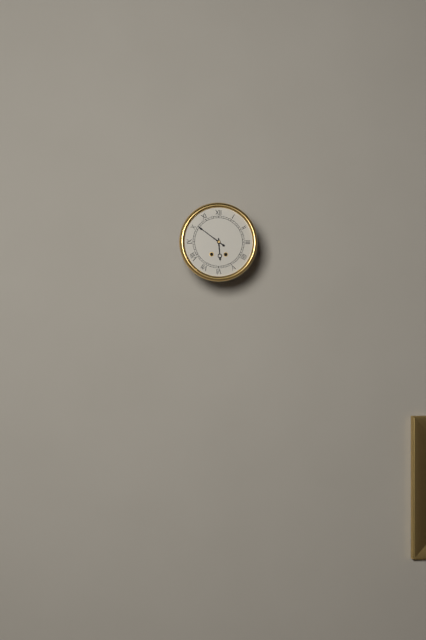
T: 5.51
